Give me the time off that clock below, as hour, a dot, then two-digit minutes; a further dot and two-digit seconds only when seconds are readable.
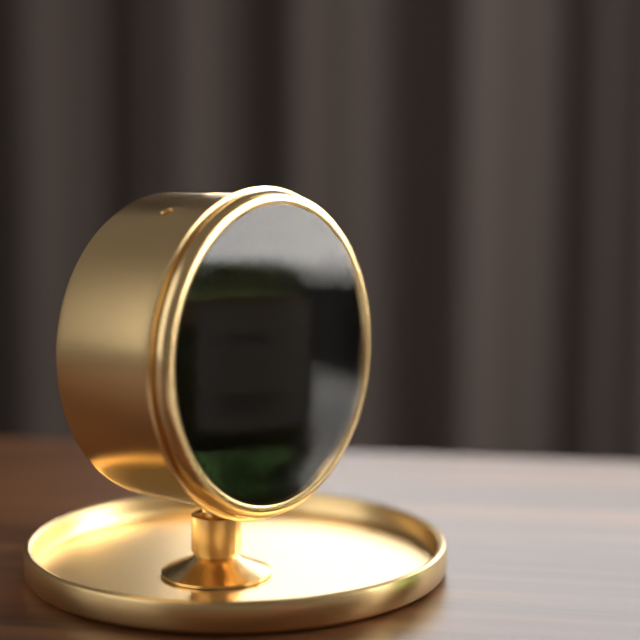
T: 7.50.32
